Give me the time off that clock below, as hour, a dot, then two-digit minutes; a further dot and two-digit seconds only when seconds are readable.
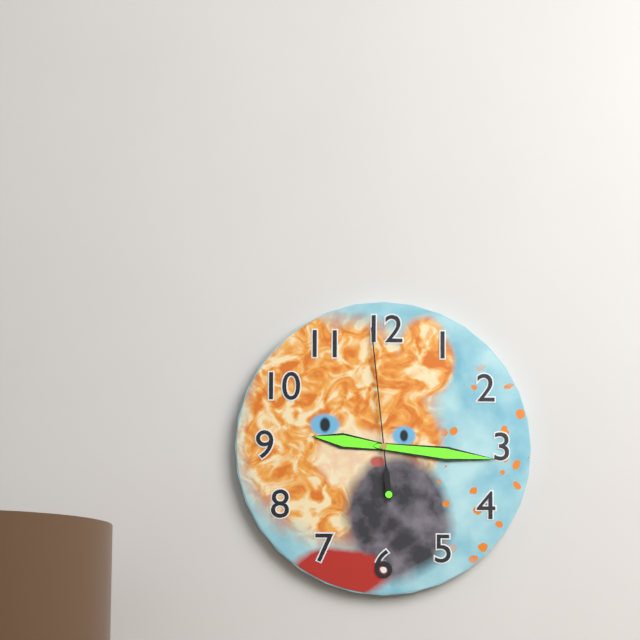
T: 9.16.59
